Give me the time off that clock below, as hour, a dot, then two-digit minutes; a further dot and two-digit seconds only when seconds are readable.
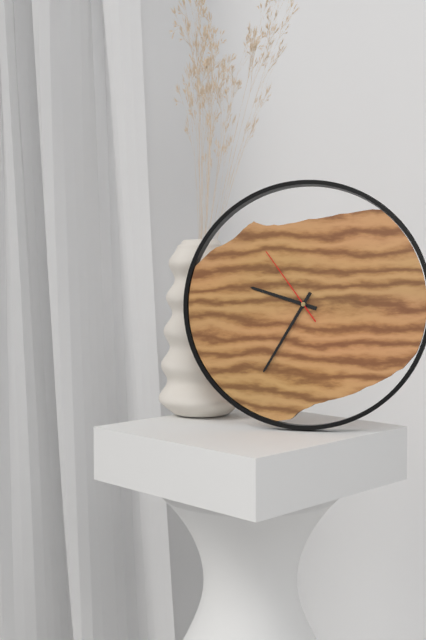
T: 9.35.54
